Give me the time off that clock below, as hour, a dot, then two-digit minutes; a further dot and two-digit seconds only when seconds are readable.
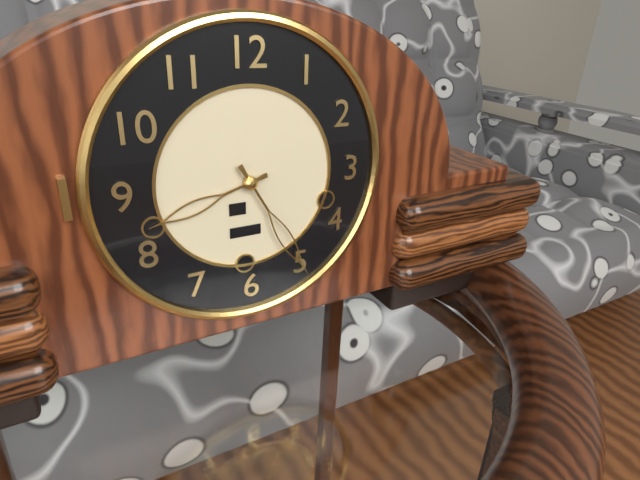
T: 8.25
